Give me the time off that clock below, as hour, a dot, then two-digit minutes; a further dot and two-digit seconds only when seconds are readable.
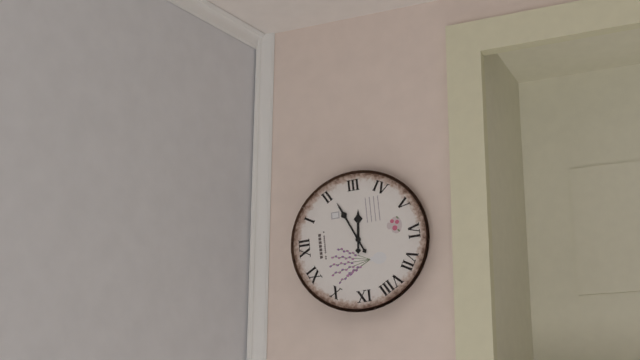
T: 3.11
